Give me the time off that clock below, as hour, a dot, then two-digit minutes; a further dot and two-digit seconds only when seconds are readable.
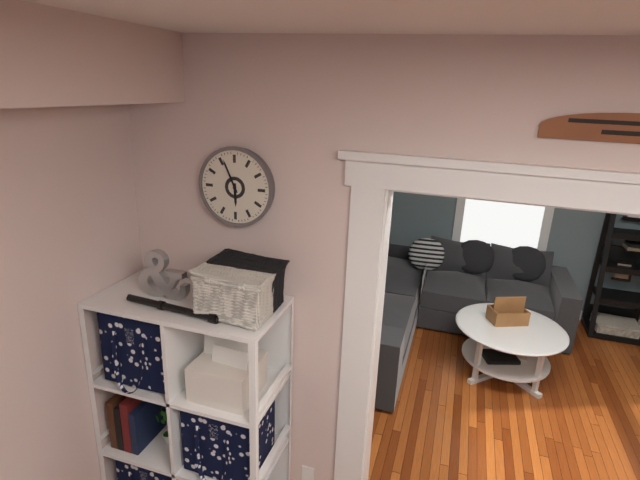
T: 5.56
